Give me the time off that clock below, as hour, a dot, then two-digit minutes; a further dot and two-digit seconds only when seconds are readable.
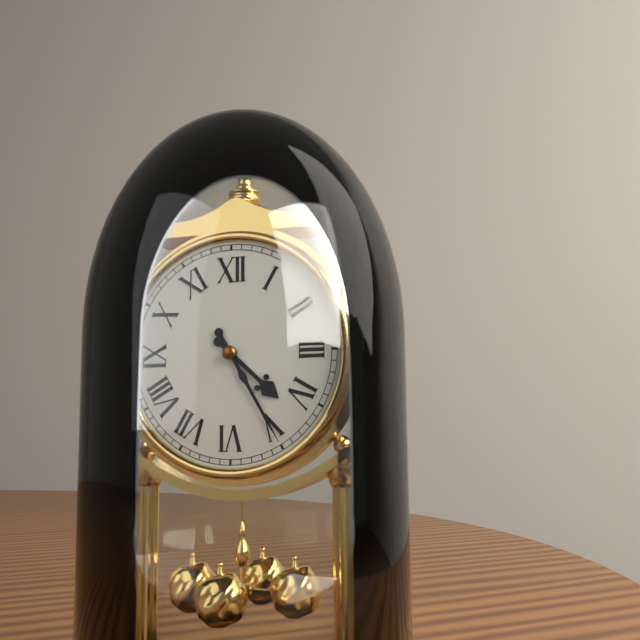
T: 4.25
